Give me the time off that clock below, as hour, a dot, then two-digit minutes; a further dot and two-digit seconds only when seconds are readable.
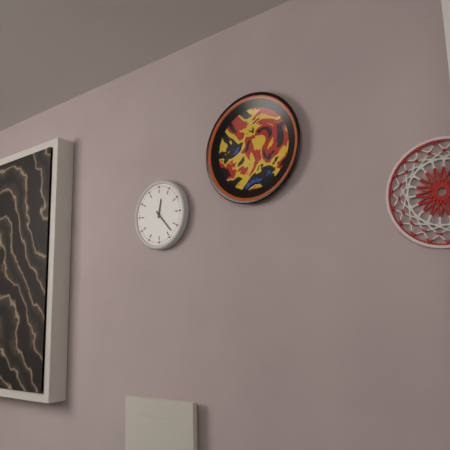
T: 12.23
